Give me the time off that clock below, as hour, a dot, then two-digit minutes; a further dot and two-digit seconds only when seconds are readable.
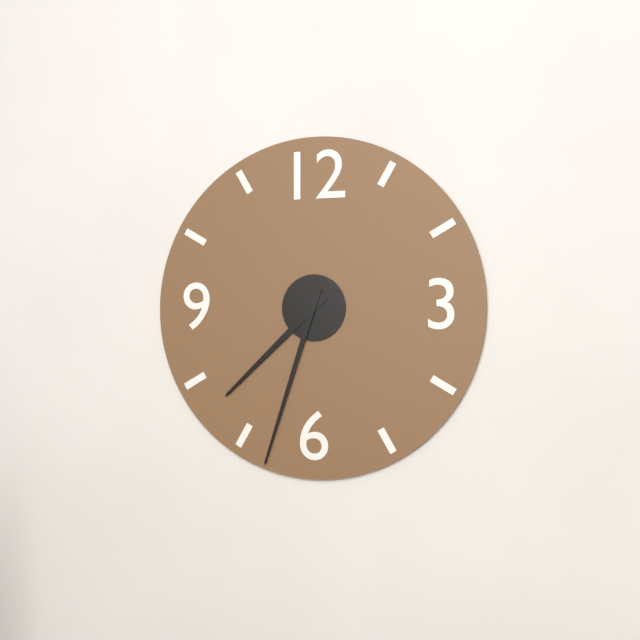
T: 7.33
